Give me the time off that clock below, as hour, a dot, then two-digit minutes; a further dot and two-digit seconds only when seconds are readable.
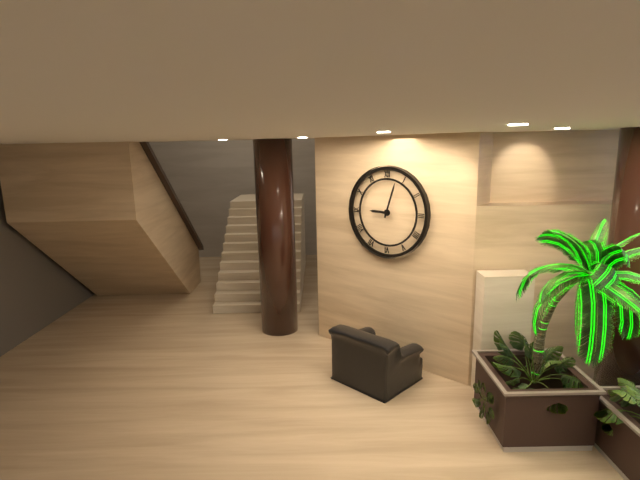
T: 9.03
